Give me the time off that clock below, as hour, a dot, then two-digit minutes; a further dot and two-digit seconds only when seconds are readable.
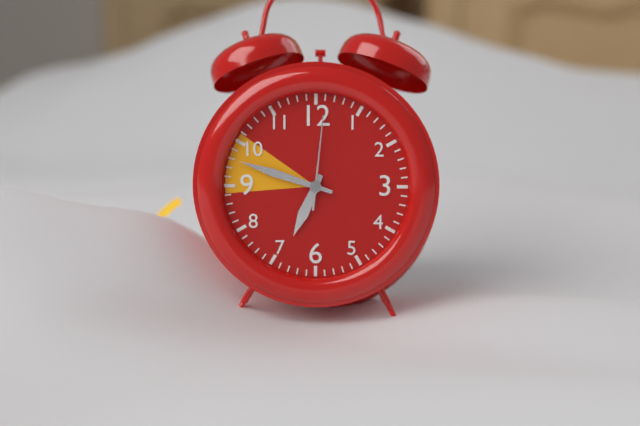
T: 6.48.01
